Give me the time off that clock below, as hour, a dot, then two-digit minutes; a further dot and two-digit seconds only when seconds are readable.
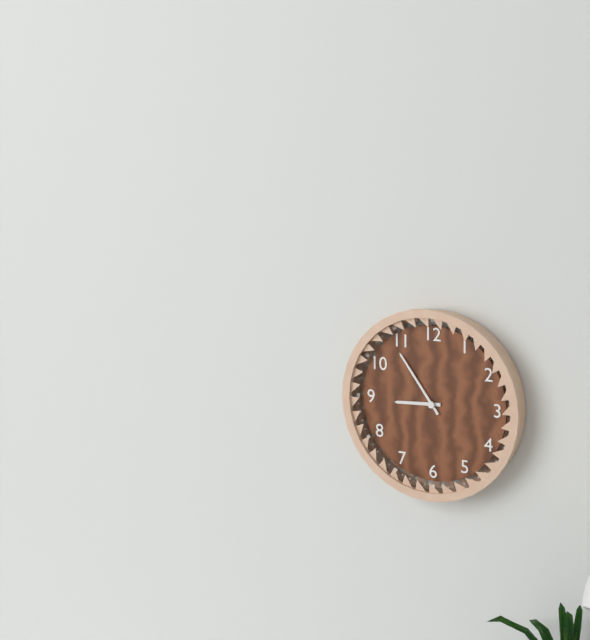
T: 8.54
